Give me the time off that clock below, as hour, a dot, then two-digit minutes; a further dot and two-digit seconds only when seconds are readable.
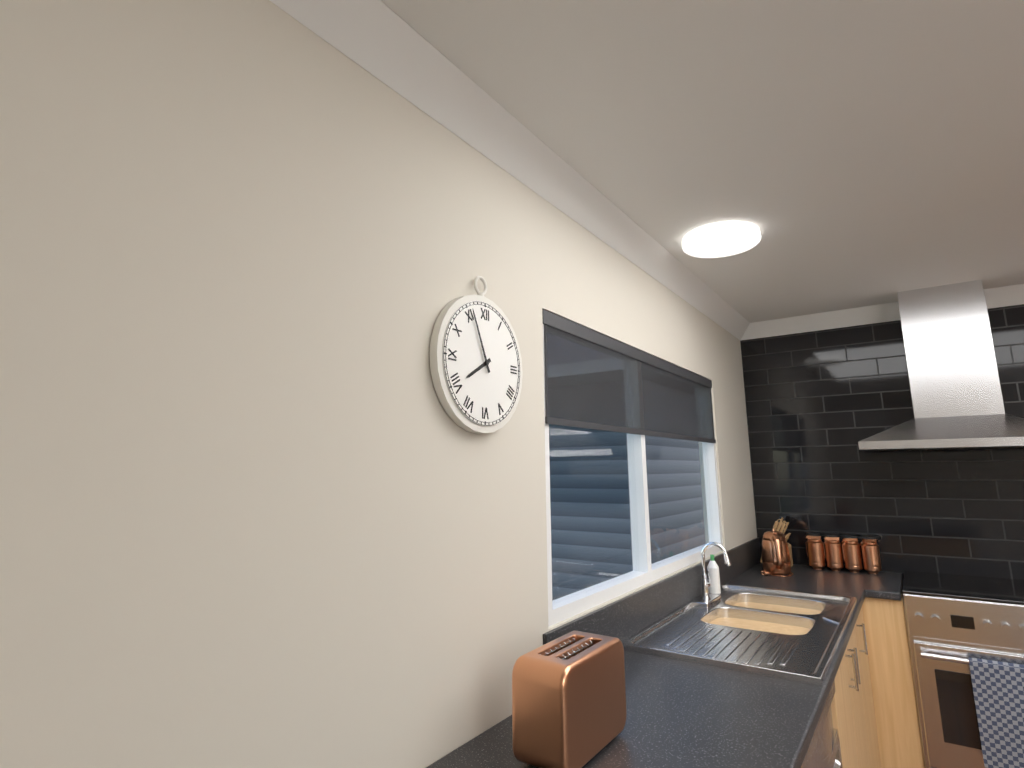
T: 7.56
